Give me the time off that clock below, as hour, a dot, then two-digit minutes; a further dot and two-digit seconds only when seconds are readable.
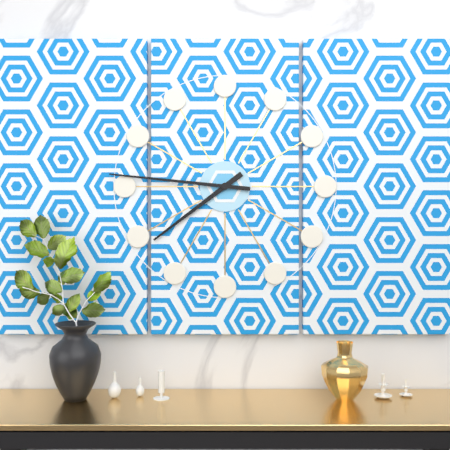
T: 7.46
